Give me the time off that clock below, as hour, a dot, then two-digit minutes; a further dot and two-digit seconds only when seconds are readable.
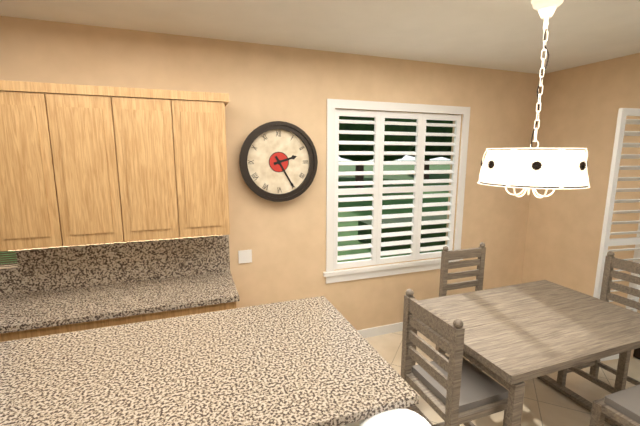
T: 2.25
